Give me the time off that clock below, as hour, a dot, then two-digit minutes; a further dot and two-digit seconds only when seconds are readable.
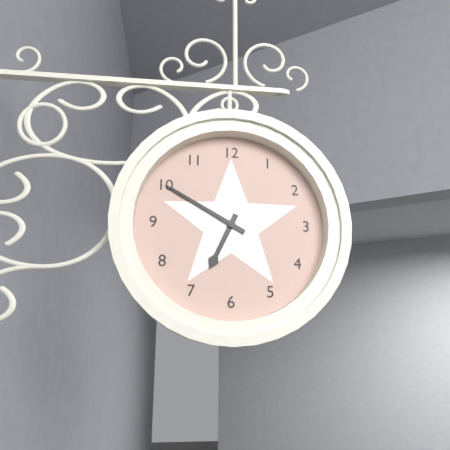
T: 6.50
